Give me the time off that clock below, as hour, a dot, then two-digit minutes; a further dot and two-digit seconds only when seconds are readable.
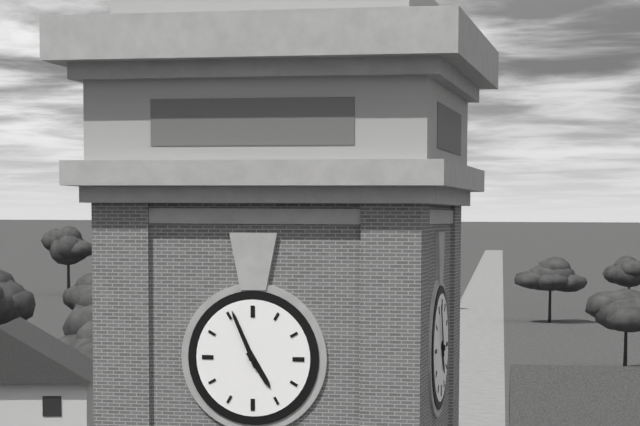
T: 4.56
